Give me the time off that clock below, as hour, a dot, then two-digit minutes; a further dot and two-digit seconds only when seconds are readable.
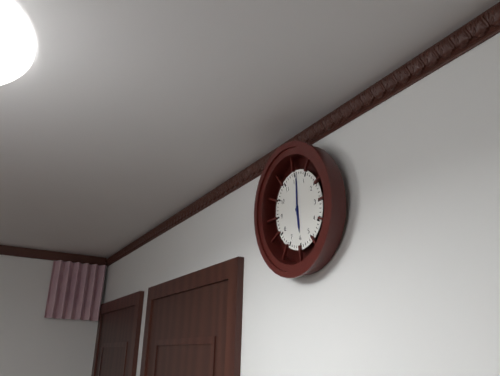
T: 6.01
